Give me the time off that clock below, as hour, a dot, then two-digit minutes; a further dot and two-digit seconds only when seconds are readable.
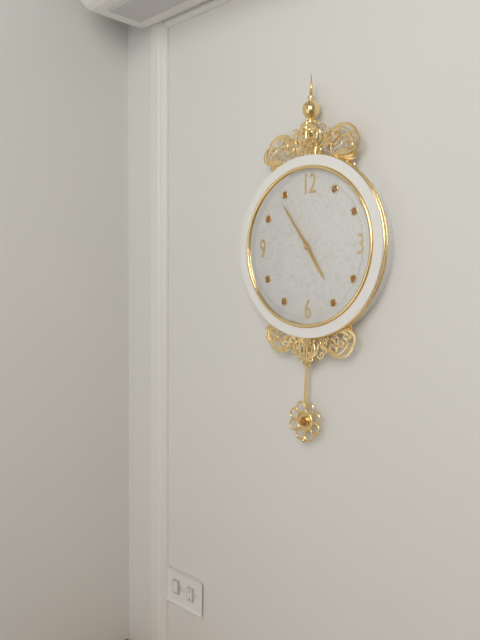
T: 4.54
